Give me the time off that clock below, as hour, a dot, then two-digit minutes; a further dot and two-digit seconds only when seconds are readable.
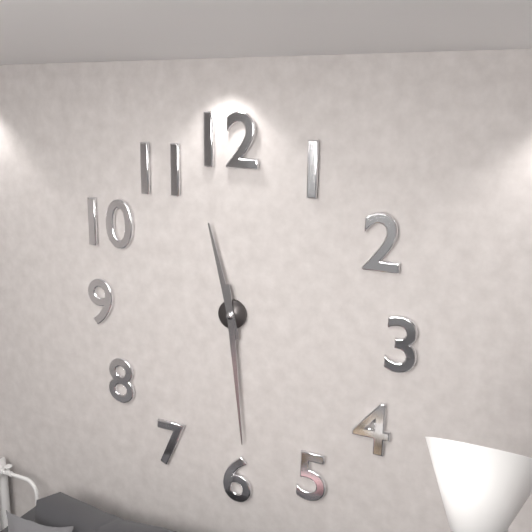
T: 11.29
